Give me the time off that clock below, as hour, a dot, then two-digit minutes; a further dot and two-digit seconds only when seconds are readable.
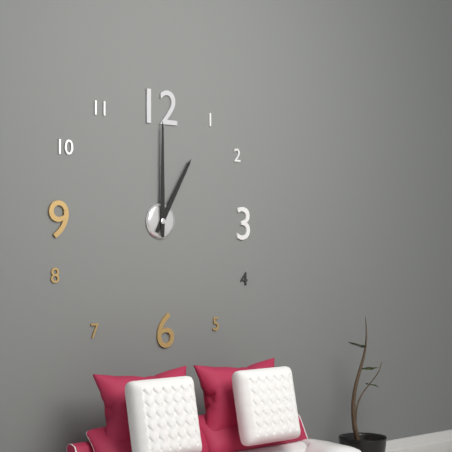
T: 1.00
